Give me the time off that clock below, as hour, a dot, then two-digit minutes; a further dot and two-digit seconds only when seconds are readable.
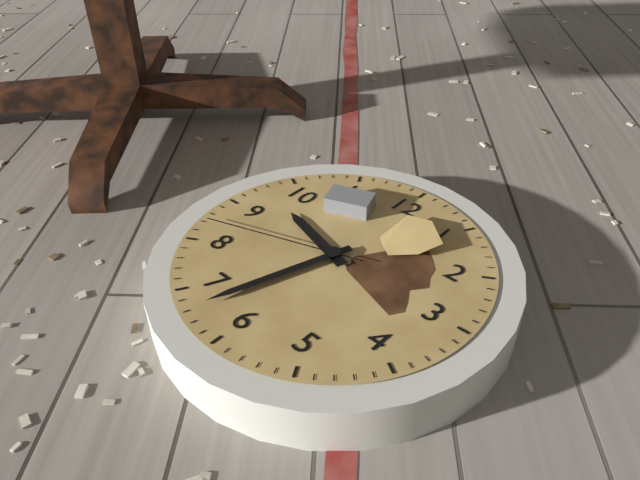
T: 9.33.42
